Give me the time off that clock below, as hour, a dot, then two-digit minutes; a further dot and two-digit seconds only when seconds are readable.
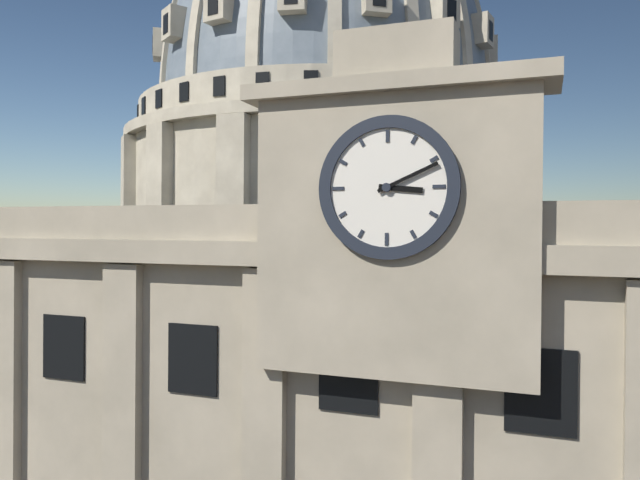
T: 3.11
